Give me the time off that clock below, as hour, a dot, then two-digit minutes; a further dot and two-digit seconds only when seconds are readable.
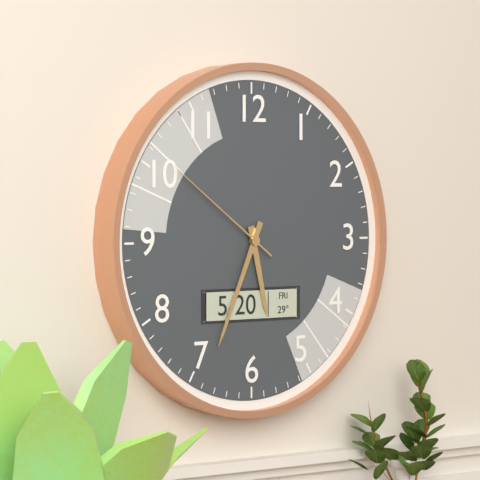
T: 5.34.51
